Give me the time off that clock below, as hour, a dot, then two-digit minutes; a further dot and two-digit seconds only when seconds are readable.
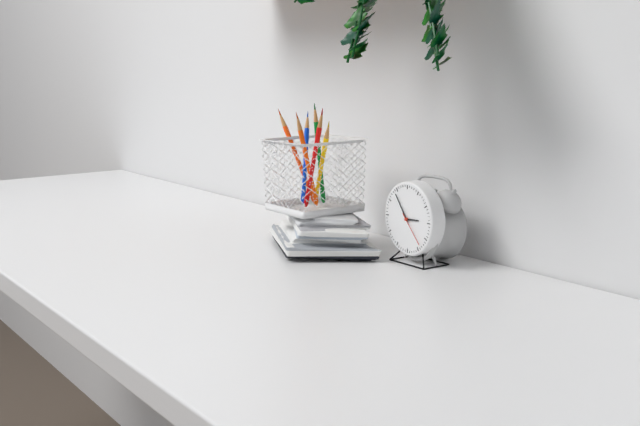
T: 2.54
